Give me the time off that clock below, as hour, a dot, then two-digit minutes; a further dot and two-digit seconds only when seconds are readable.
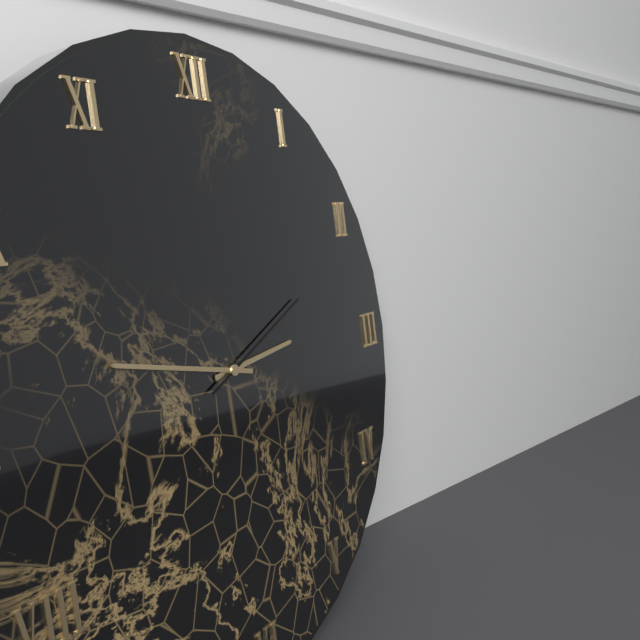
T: 2.47.11
